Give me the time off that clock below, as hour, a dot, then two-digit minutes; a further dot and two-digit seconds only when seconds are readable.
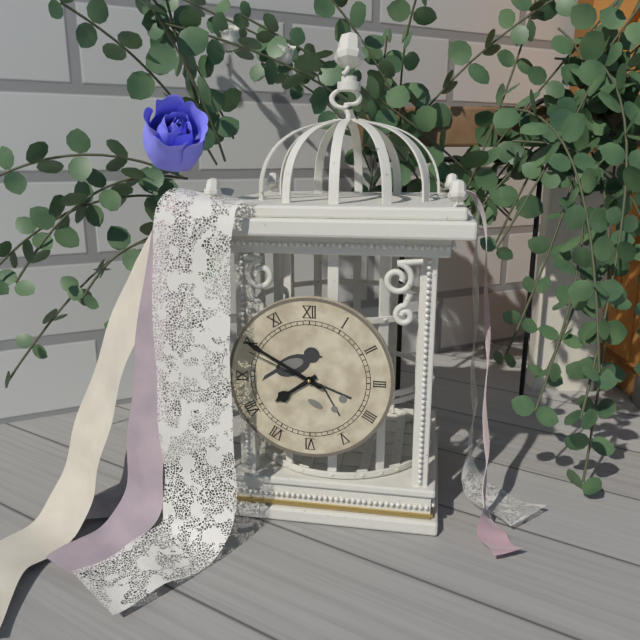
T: 7.50.49
